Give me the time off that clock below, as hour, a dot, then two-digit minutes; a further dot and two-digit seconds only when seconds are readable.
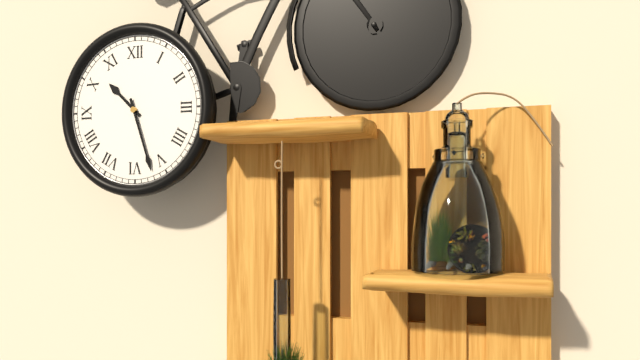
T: 10.27
